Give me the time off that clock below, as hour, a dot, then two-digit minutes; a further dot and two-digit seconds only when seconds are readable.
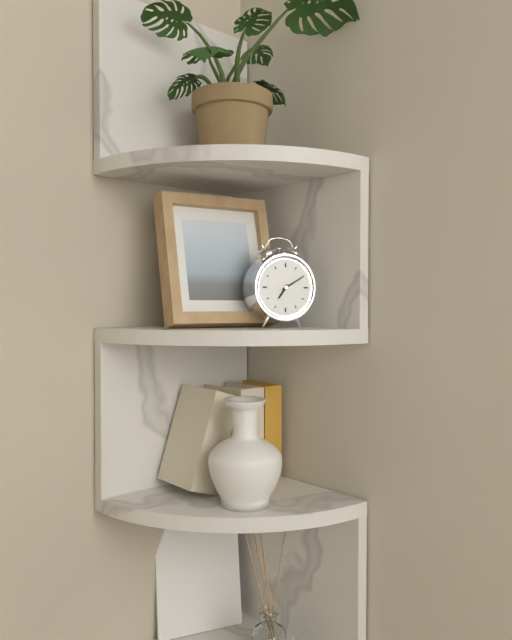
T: 7.10
